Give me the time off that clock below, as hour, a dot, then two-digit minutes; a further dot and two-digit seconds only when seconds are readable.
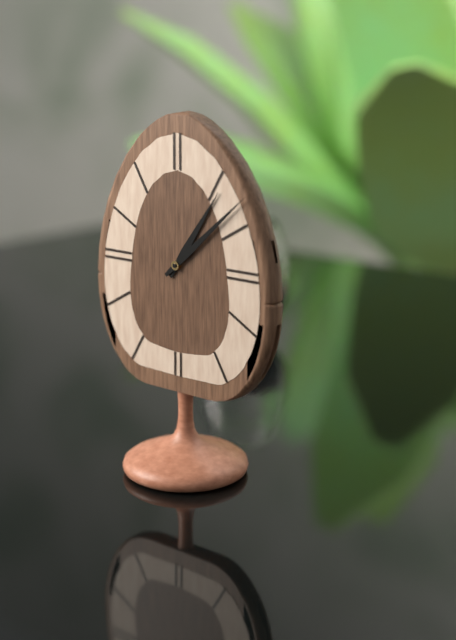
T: 1.08
